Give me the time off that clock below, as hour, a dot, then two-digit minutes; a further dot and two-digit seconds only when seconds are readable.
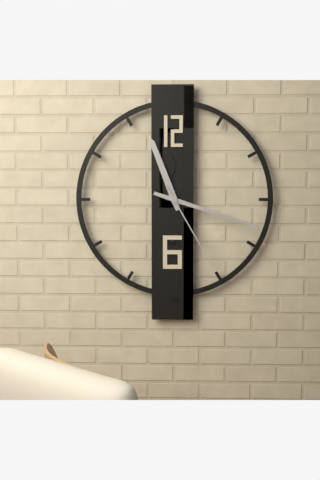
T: 11.18.25
